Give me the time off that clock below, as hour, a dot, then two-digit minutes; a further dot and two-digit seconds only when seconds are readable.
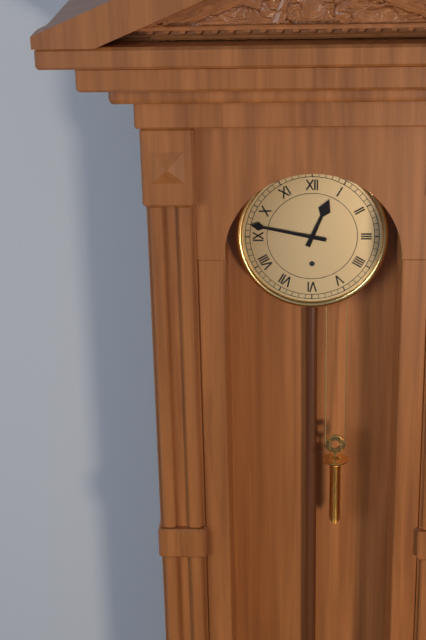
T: 12.47
